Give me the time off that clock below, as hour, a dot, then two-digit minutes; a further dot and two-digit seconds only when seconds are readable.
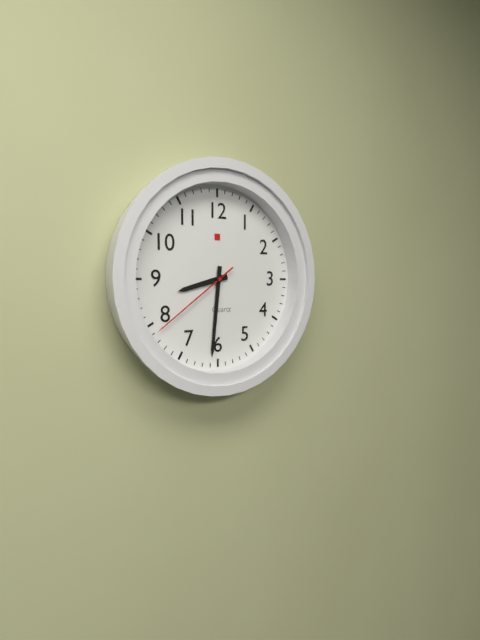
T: 8.31.39
